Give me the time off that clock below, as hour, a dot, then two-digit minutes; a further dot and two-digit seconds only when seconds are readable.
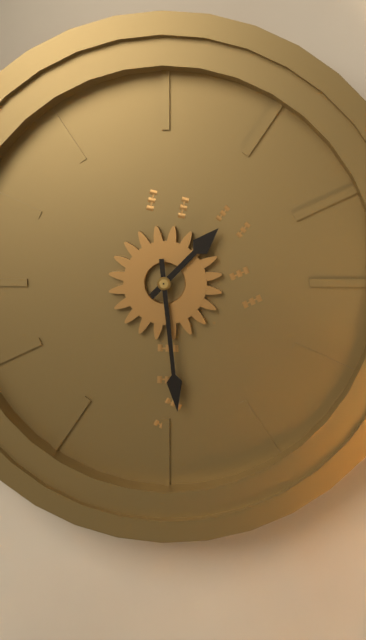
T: 1.29
